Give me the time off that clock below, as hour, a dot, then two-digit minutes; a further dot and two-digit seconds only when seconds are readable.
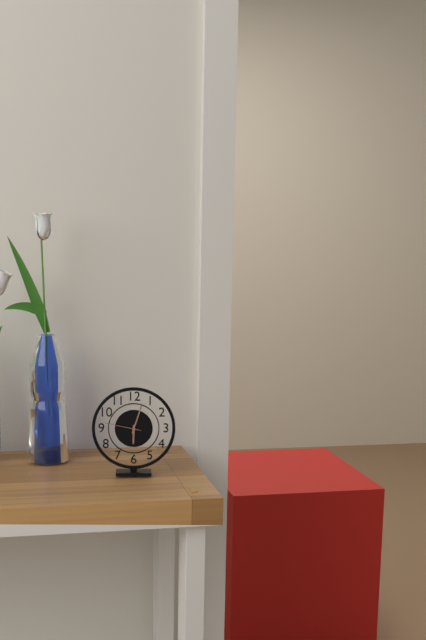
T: 6.03
